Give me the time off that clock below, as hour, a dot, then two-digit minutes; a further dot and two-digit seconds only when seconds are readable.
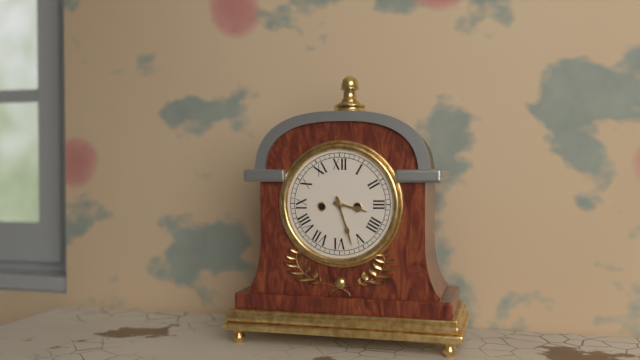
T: 3.27
